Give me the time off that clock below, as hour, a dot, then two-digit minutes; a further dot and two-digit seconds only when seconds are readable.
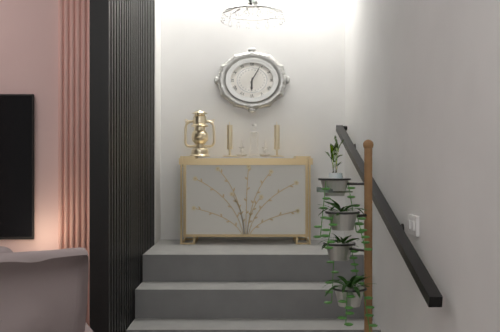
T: 6.05
